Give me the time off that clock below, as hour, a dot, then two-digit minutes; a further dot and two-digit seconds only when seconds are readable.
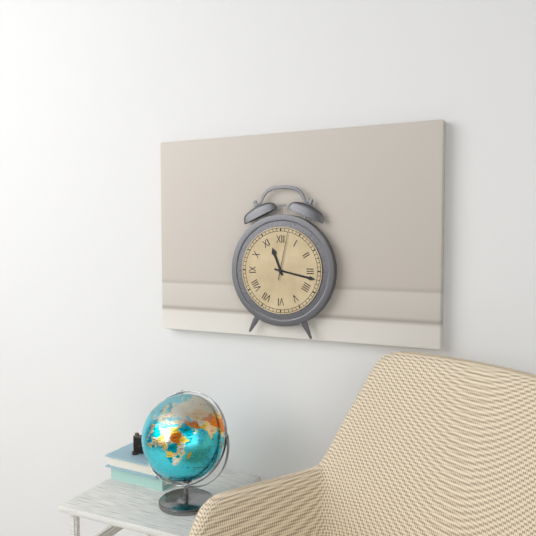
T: 11.17
